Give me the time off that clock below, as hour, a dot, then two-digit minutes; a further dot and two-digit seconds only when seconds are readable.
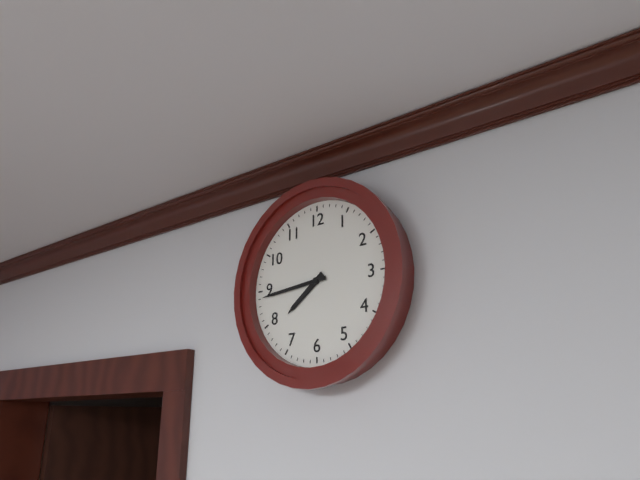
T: 7.44
